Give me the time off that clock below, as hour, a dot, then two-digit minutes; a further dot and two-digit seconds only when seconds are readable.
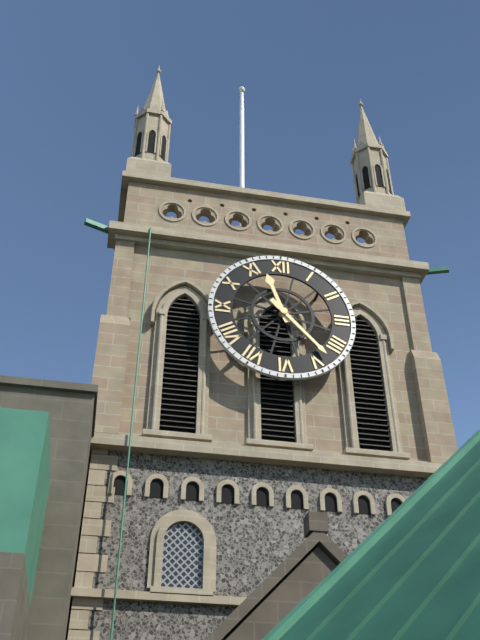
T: 11.23
